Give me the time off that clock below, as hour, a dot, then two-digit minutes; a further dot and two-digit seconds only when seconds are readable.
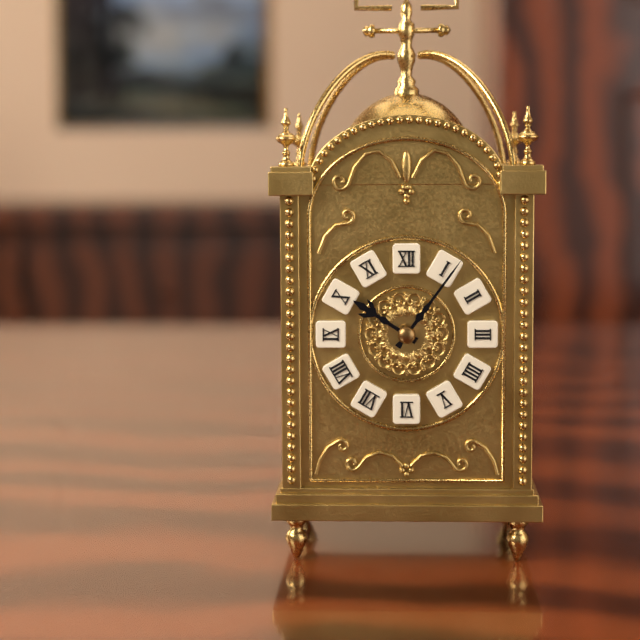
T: 10.06
